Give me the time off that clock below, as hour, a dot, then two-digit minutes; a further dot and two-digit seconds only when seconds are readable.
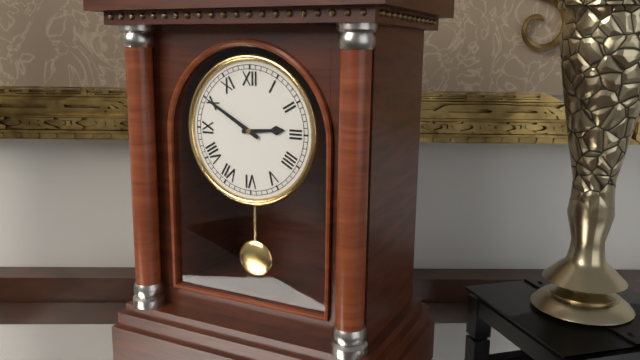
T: 2.50
